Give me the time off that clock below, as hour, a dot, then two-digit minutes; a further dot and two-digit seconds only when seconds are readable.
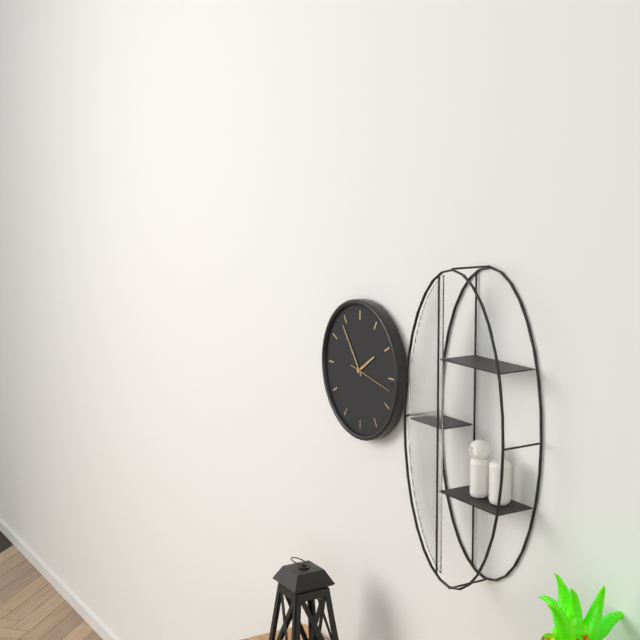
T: 1.54
